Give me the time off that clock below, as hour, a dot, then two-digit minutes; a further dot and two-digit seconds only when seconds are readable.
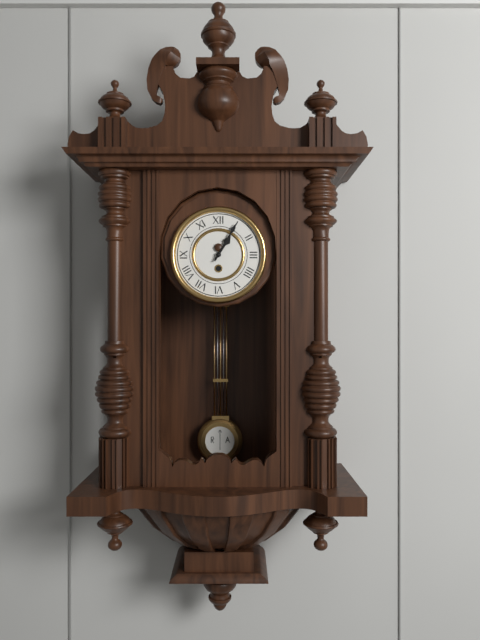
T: 1.05
